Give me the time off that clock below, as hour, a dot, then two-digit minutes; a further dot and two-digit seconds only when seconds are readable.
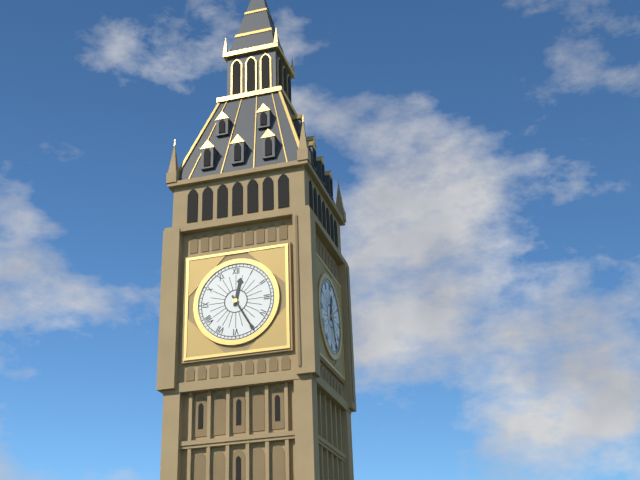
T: 12.25
